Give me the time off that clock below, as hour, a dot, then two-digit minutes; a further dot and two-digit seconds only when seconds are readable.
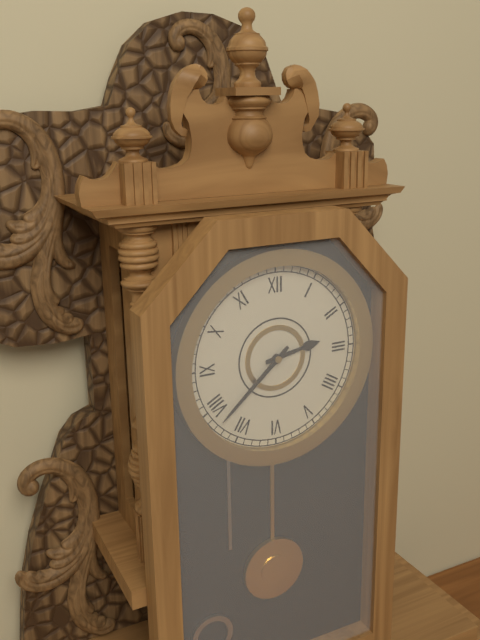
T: 2.38
